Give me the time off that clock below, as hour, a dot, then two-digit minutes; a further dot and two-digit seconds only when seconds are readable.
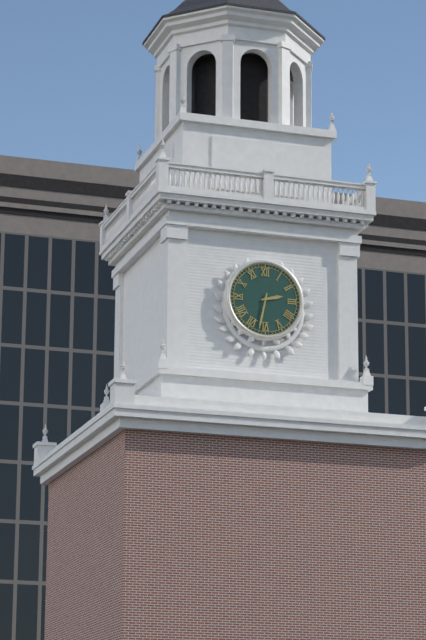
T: 2.32
